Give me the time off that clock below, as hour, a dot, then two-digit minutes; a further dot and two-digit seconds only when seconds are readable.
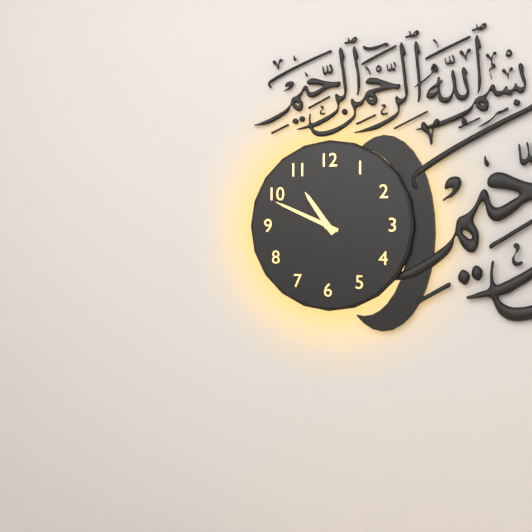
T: 10.49
